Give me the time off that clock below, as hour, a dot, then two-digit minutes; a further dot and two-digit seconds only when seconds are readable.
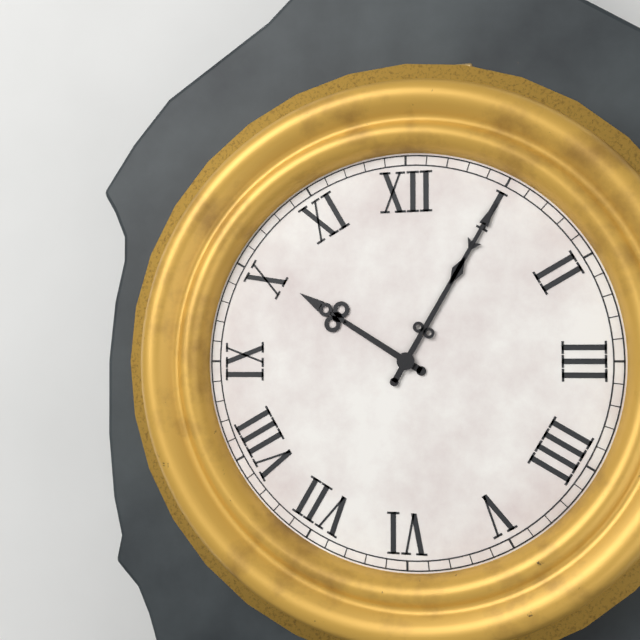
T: 10.05
